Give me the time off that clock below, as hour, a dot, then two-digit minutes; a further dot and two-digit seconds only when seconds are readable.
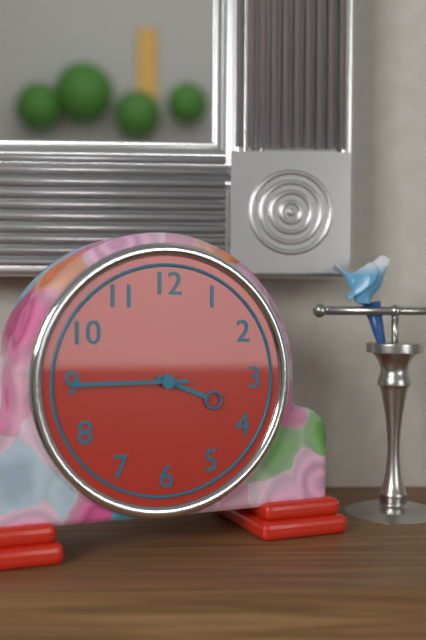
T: 3.45
